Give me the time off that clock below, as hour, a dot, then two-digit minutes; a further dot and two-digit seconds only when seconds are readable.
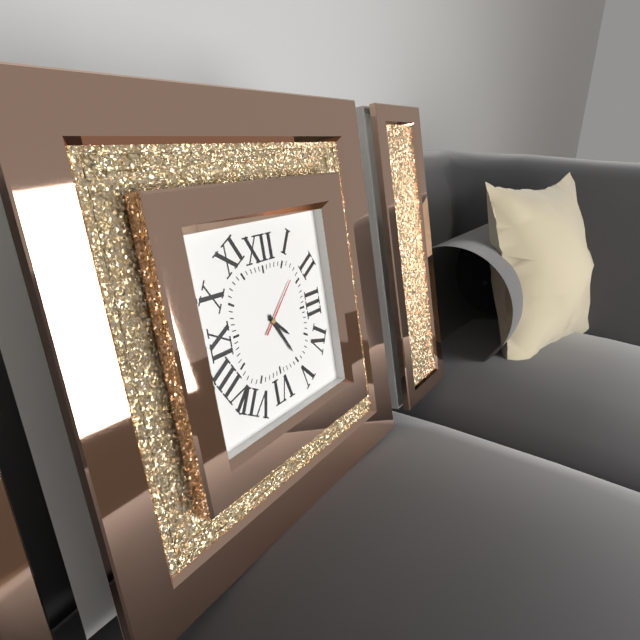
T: 4.25.08
